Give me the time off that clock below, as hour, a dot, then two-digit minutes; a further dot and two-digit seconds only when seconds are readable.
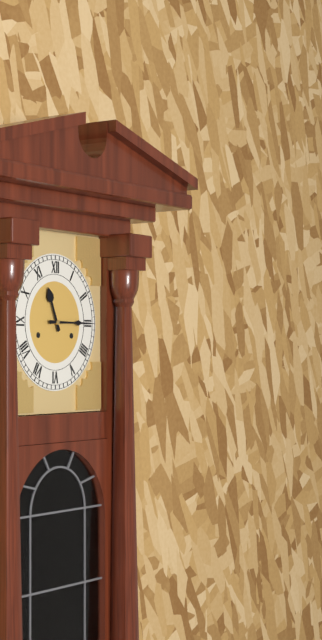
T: 11.15
